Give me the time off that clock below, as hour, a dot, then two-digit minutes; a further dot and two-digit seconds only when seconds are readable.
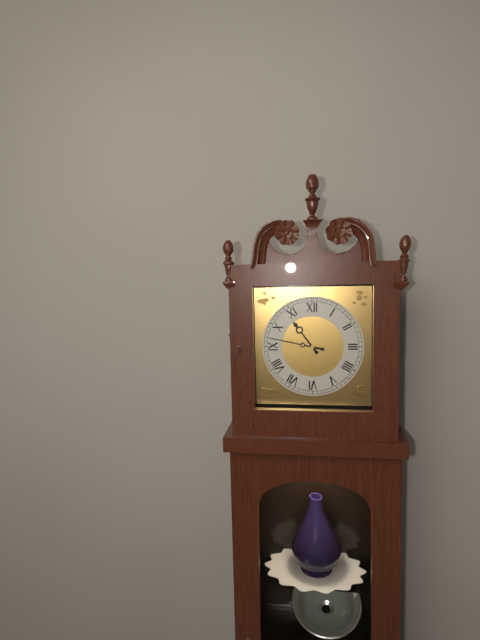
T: 10.47
